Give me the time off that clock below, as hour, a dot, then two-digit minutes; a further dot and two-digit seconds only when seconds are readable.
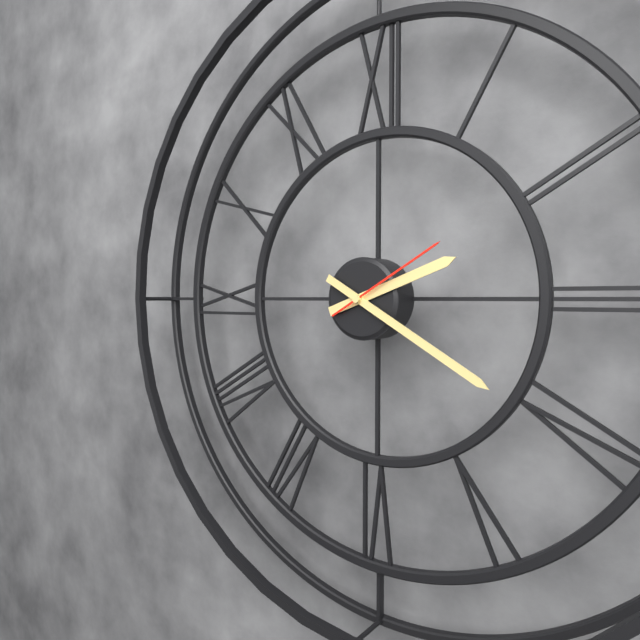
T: 2.20.10
